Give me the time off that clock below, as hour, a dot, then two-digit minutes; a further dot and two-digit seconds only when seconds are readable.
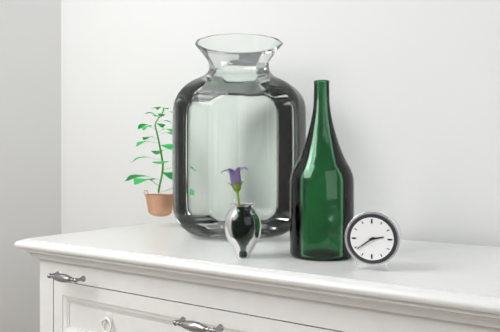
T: 2.39
